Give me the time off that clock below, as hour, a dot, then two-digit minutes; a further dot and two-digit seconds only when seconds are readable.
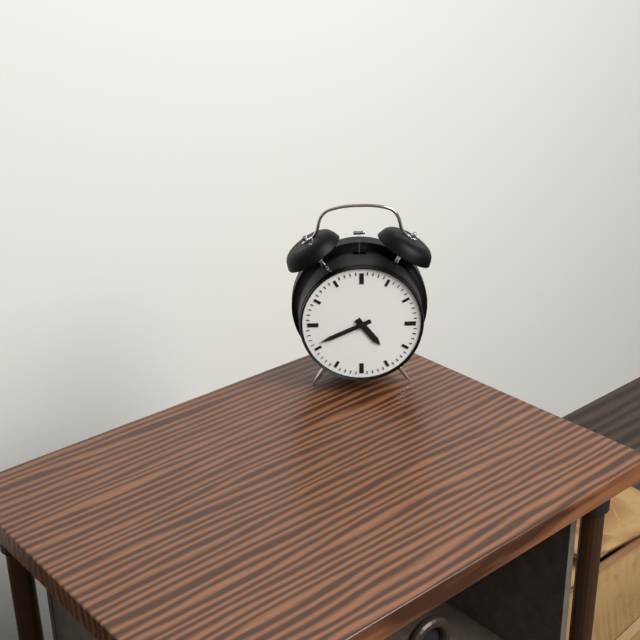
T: 4.41
